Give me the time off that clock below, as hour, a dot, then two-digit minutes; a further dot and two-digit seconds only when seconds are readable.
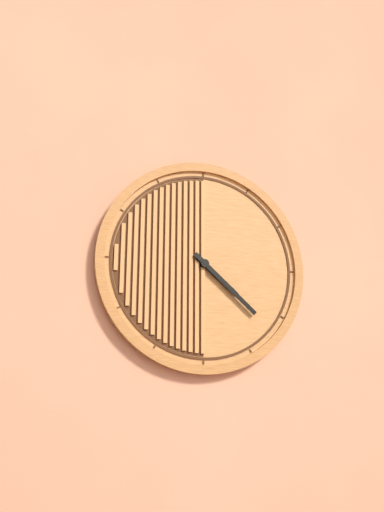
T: 4.22
